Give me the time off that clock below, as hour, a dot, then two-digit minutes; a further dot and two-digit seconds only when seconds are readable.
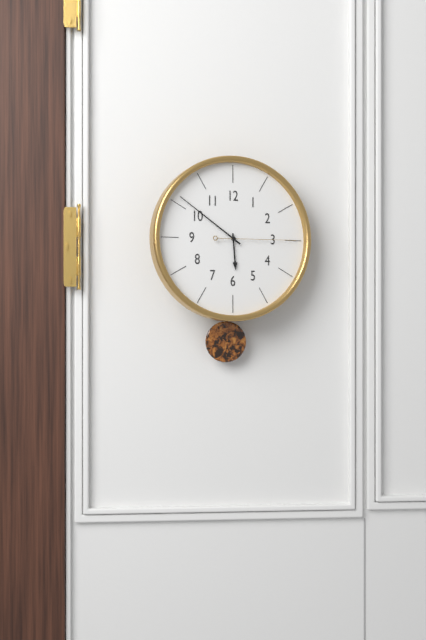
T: 5.51.15
